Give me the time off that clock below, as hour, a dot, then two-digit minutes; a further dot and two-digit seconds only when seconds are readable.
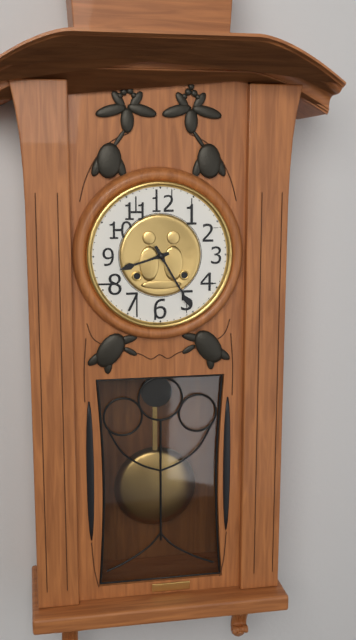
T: 8.25
